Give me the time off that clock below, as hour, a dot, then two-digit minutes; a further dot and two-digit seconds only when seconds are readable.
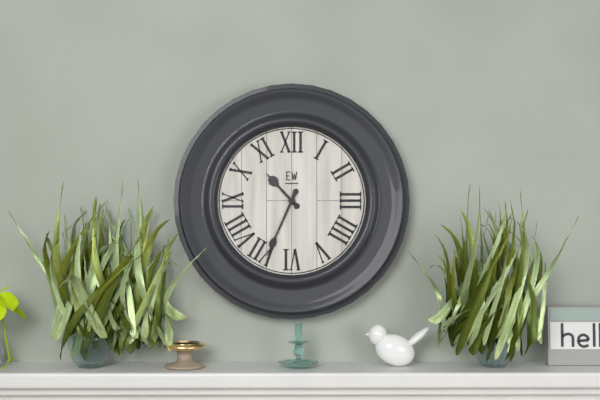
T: 10.34
